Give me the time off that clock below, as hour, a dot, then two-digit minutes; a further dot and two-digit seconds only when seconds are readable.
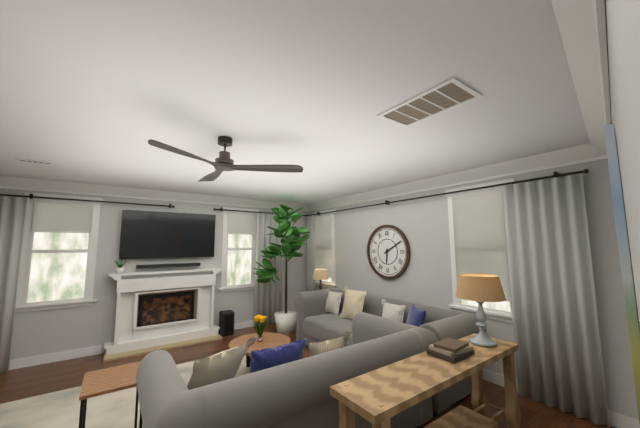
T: 6.10
